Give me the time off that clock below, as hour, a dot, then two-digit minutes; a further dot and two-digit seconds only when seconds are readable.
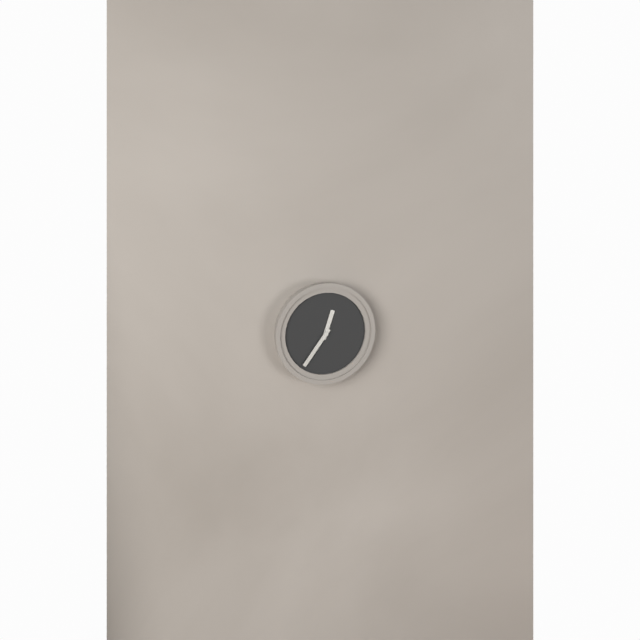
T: 12.36
